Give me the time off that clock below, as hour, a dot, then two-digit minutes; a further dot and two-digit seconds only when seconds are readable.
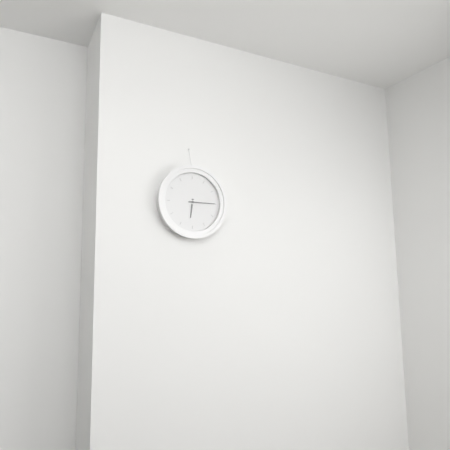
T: 6.15
